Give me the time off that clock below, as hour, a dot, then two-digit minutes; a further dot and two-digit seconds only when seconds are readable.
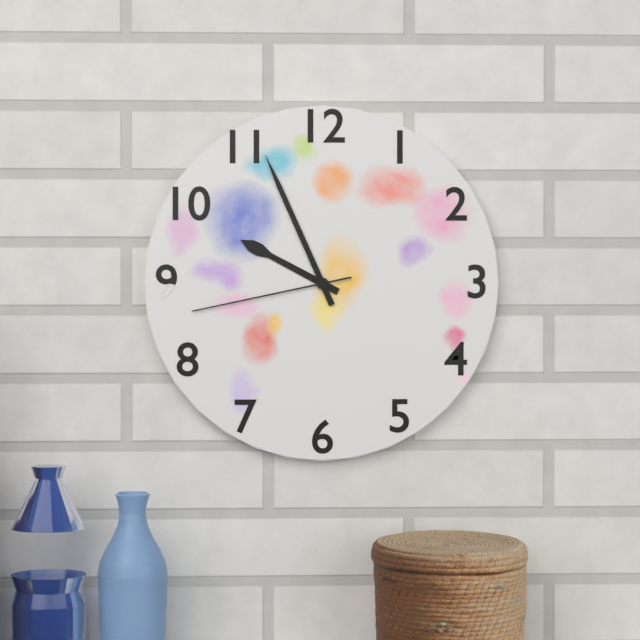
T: 9.56.43
